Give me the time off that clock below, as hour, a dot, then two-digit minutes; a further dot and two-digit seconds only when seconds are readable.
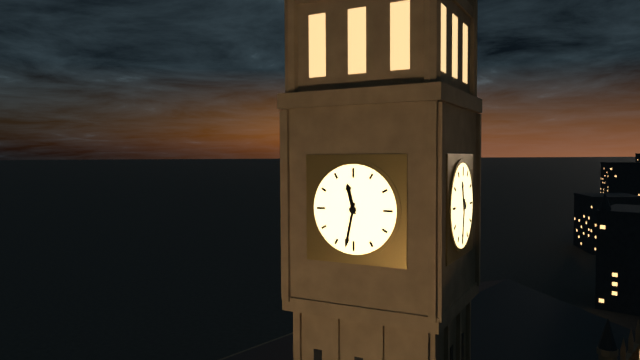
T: 11.32
